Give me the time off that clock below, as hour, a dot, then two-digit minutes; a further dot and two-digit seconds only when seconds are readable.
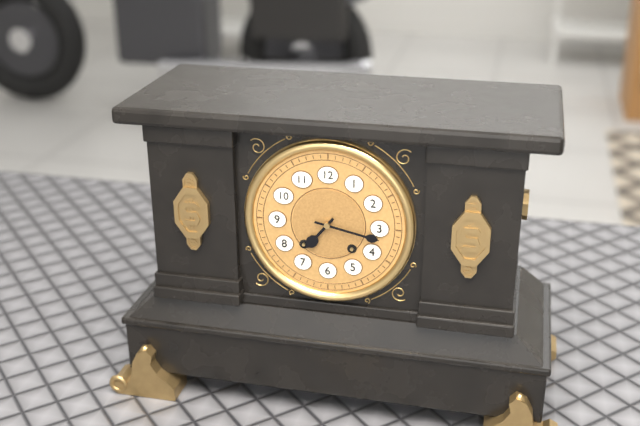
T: 7.17
